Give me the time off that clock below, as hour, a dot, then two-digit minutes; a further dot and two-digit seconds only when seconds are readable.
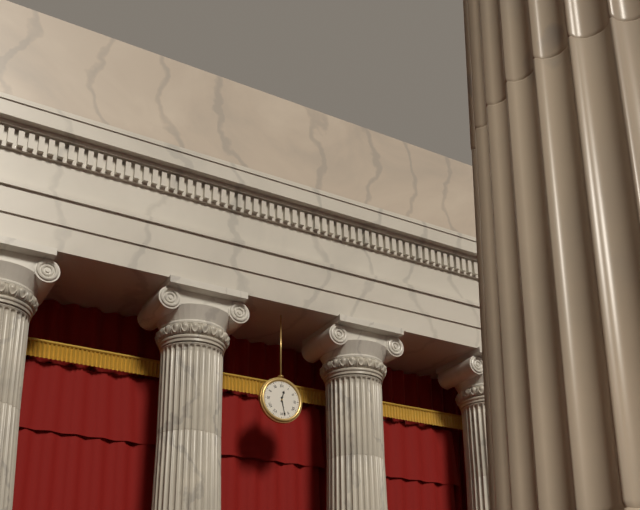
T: 12.28
